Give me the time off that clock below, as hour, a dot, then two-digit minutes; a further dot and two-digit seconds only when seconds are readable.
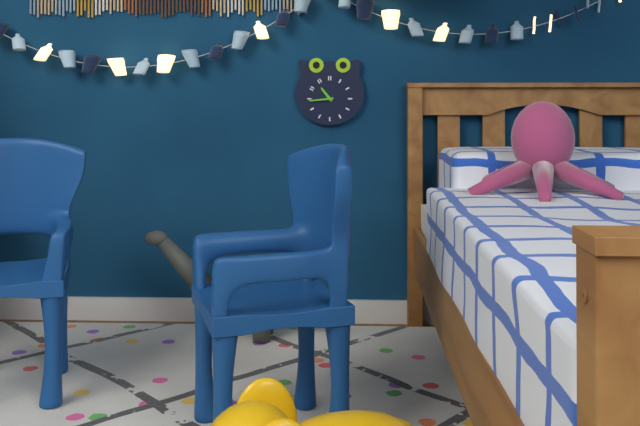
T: 10.44
